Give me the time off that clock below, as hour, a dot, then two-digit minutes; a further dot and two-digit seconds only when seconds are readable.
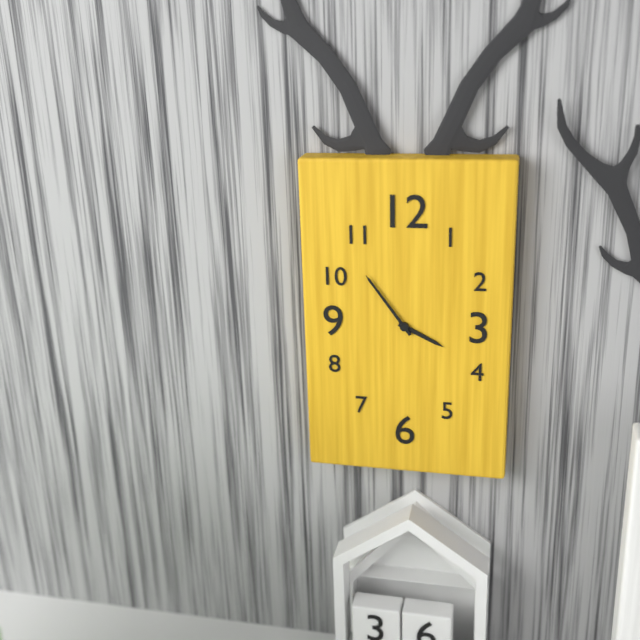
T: 3.54
